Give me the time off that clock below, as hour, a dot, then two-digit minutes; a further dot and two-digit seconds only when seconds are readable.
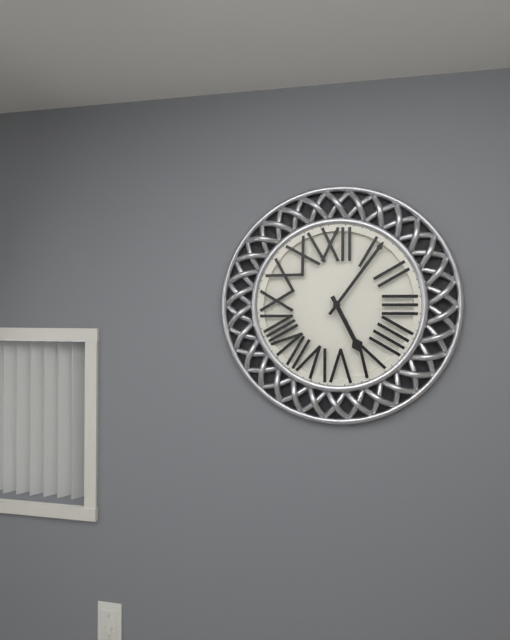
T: 5.06
